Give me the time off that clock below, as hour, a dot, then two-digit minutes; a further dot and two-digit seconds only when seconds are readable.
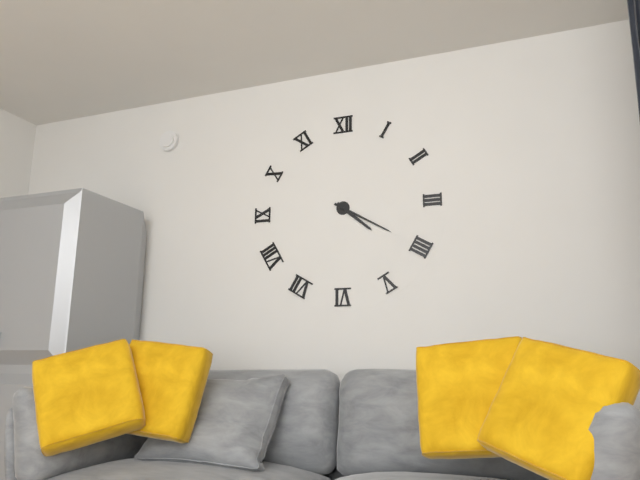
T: 4.20
